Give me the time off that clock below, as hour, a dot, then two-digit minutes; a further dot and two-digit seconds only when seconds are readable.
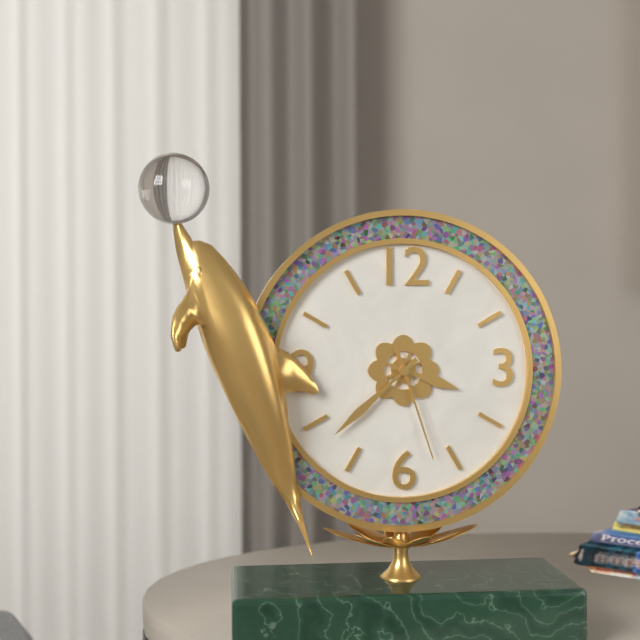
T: 3.38.27
